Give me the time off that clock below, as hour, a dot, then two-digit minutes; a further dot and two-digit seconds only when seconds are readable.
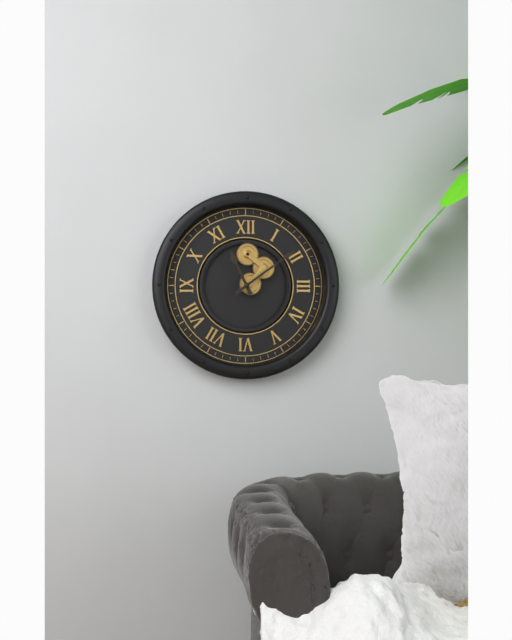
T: 11.09
